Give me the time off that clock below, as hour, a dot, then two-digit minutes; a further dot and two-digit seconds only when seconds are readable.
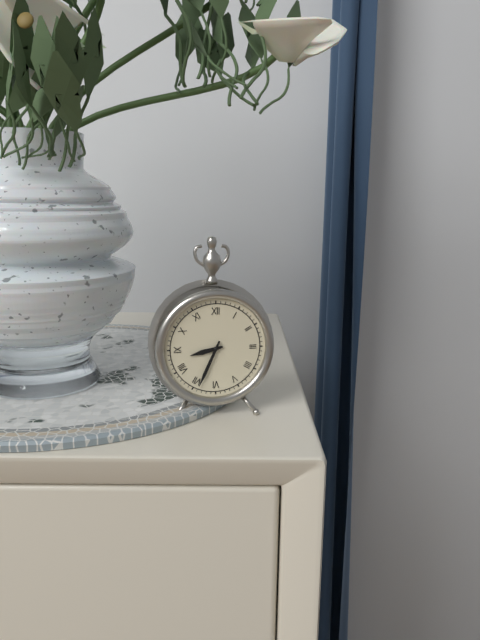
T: 8.34
